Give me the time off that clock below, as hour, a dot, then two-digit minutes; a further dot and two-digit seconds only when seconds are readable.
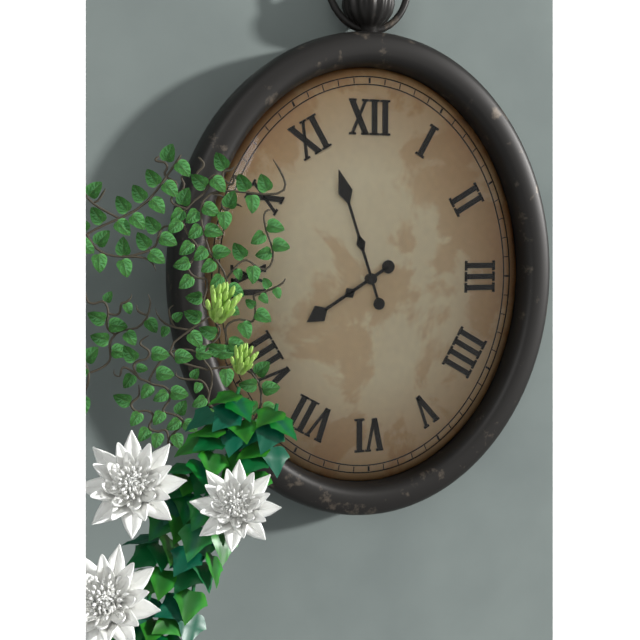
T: 7.57
